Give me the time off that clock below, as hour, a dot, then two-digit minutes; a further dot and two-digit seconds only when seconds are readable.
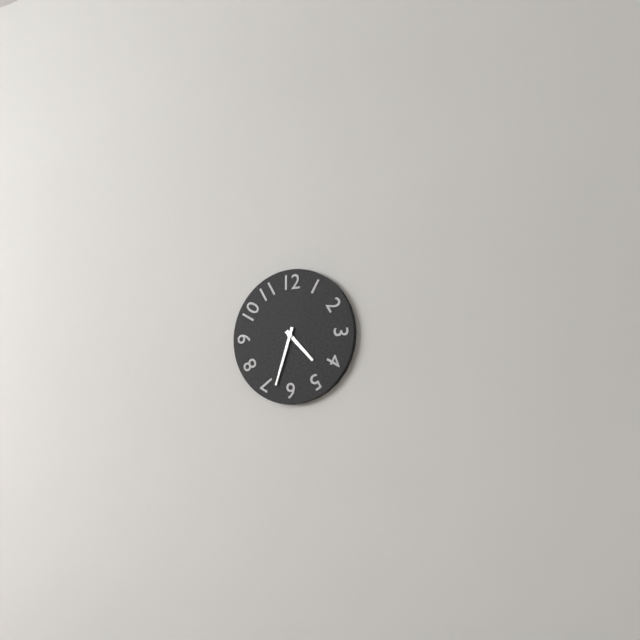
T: 4.33
